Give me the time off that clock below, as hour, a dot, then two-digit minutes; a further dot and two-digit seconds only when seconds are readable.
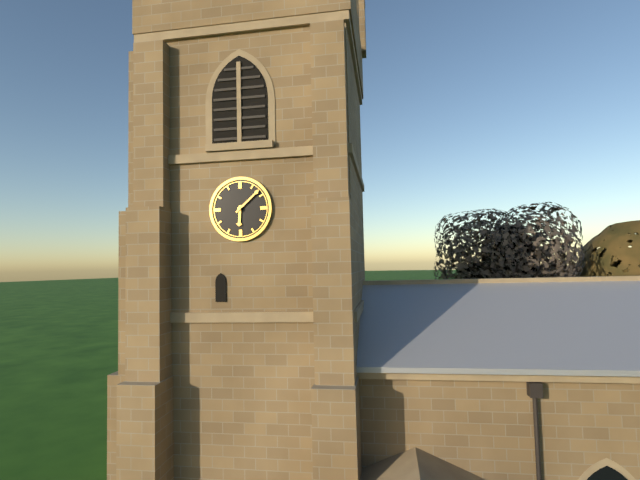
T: 6.08
